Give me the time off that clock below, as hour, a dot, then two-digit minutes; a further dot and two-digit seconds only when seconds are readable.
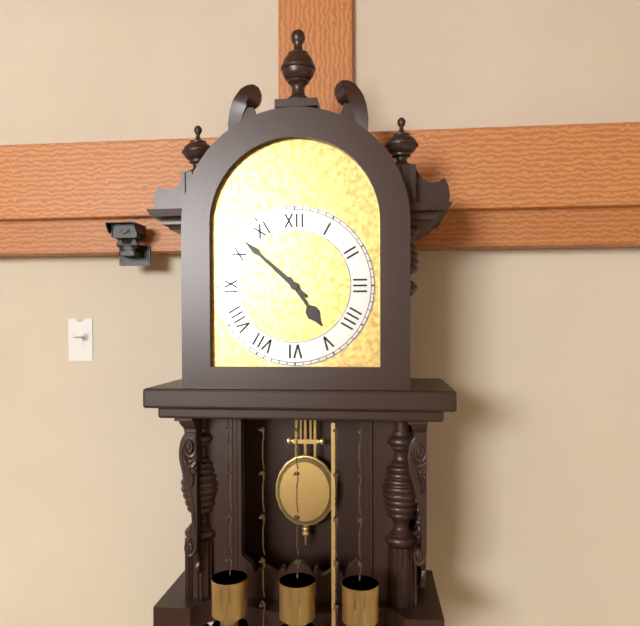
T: 4.52
